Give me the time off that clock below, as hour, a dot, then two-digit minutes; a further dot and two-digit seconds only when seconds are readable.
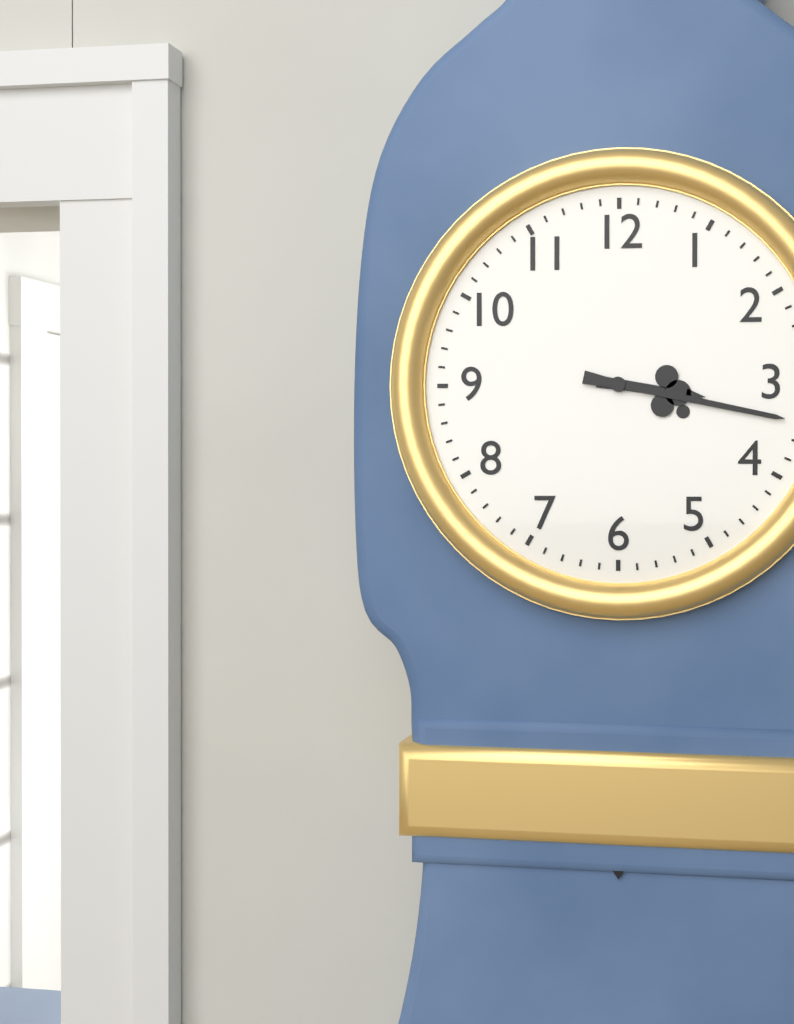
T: 3.17
